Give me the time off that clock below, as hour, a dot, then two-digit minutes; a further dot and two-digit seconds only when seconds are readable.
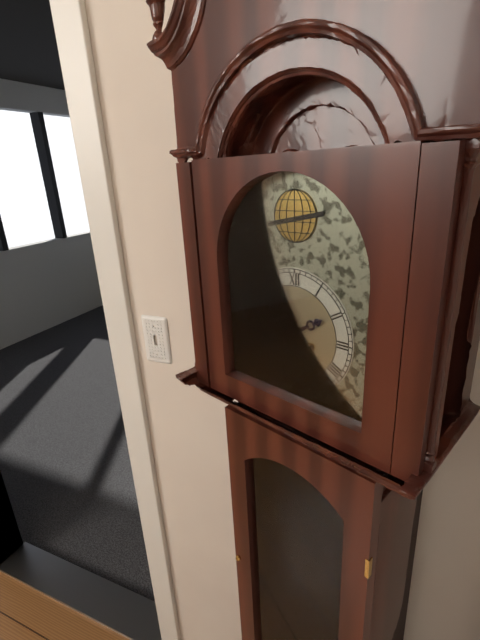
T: 1.57
